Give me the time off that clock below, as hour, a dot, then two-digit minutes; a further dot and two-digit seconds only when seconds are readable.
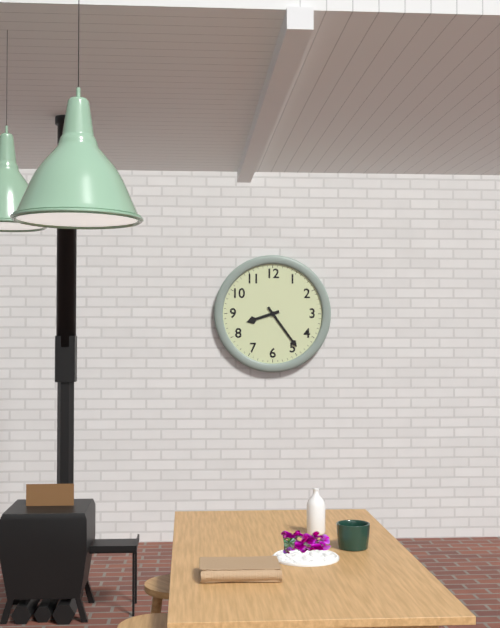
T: 8.24
